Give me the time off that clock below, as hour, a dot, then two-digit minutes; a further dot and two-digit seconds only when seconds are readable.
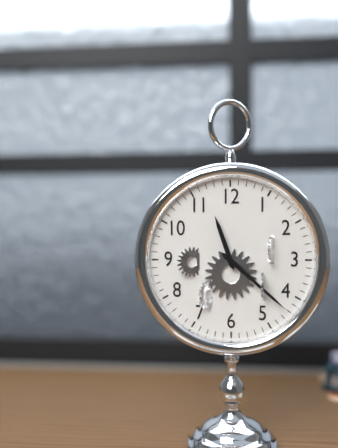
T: 11.22
